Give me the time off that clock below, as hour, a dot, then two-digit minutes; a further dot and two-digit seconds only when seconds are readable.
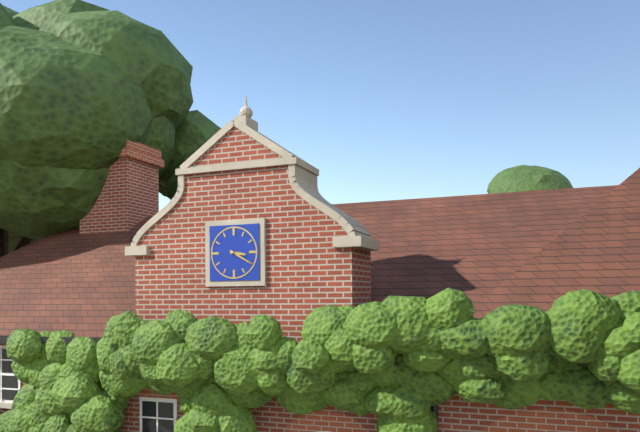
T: 3.20
